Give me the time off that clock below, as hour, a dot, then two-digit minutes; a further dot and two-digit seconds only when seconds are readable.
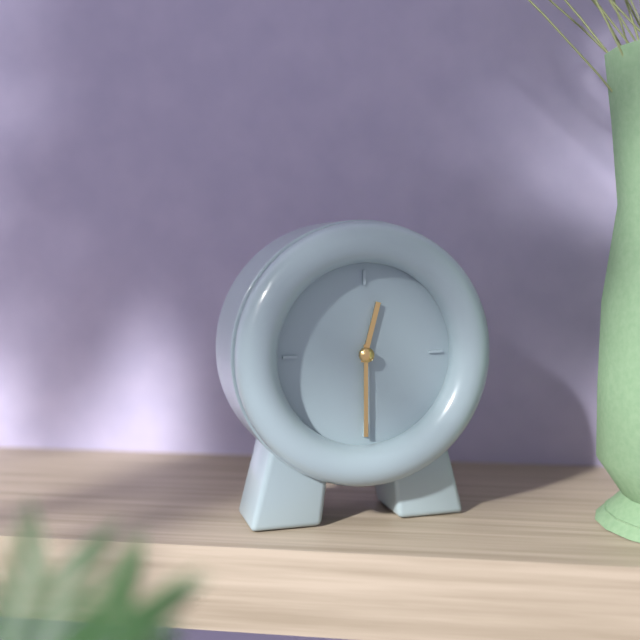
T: 12.30
